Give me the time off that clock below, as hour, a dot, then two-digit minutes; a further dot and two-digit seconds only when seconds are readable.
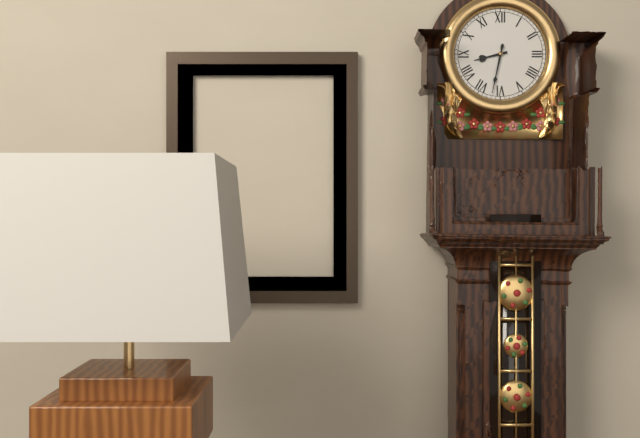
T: 8.32
